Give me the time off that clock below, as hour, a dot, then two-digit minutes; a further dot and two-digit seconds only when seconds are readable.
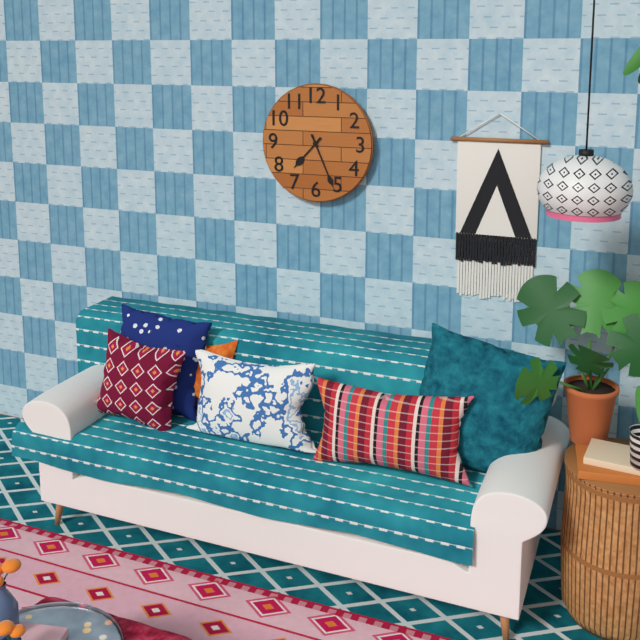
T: 7.26
